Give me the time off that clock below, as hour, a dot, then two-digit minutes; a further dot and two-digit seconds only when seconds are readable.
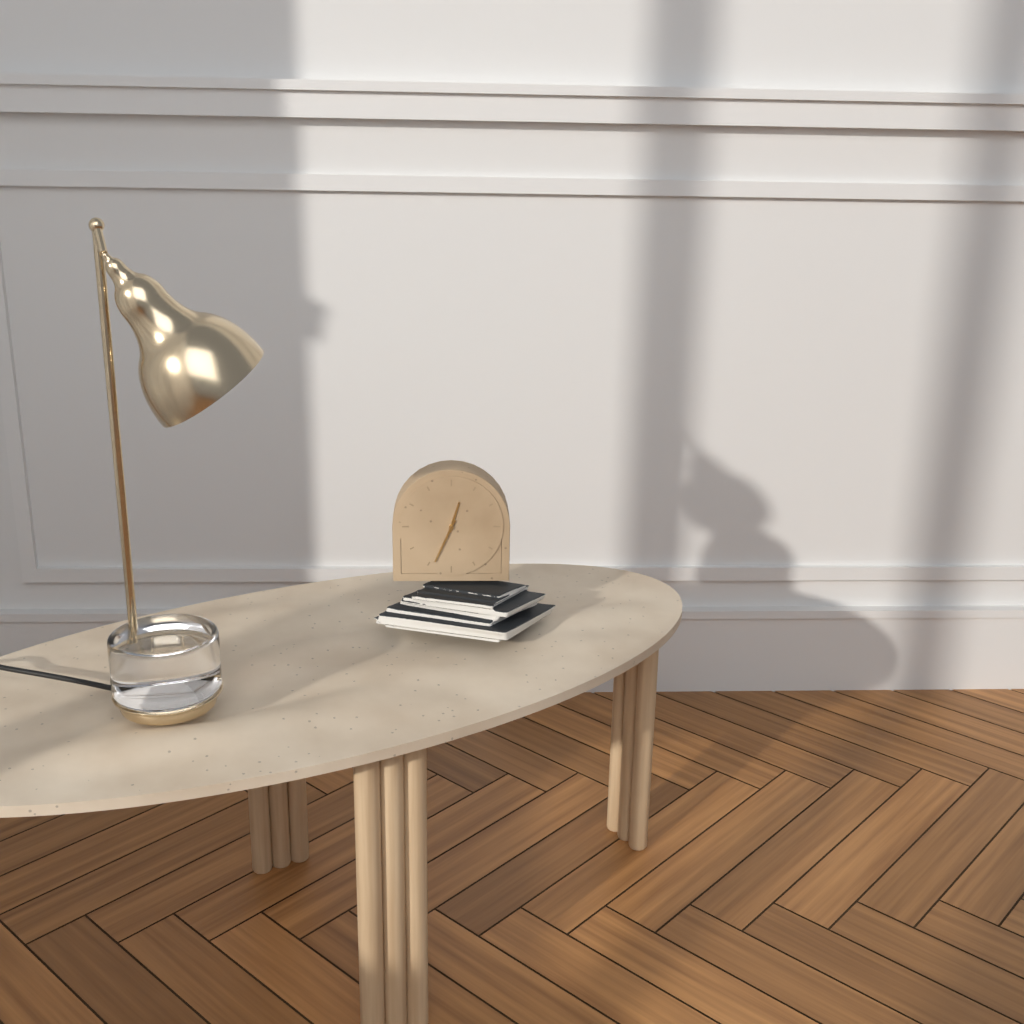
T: 12.34
